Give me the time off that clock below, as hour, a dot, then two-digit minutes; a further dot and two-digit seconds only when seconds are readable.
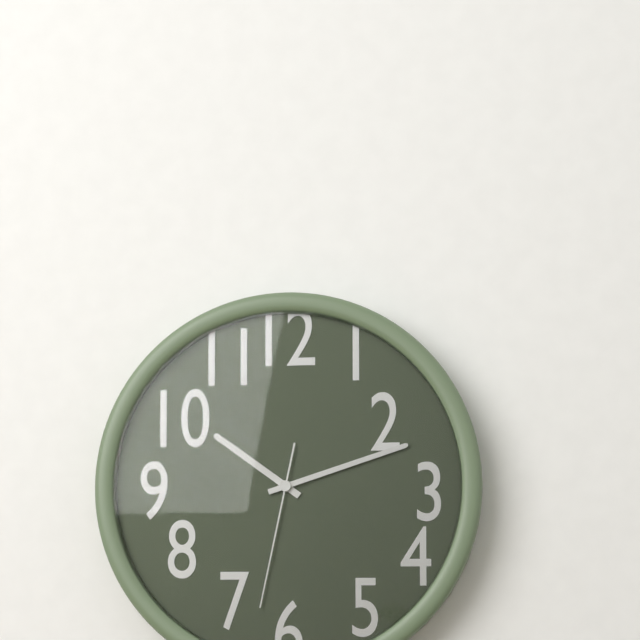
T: 10.12.32
